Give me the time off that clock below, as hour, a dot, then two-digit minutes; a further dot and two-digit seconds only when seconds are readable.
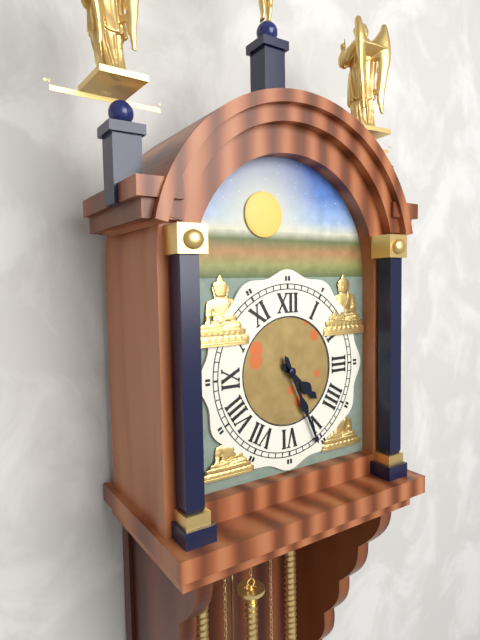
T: 4.26
